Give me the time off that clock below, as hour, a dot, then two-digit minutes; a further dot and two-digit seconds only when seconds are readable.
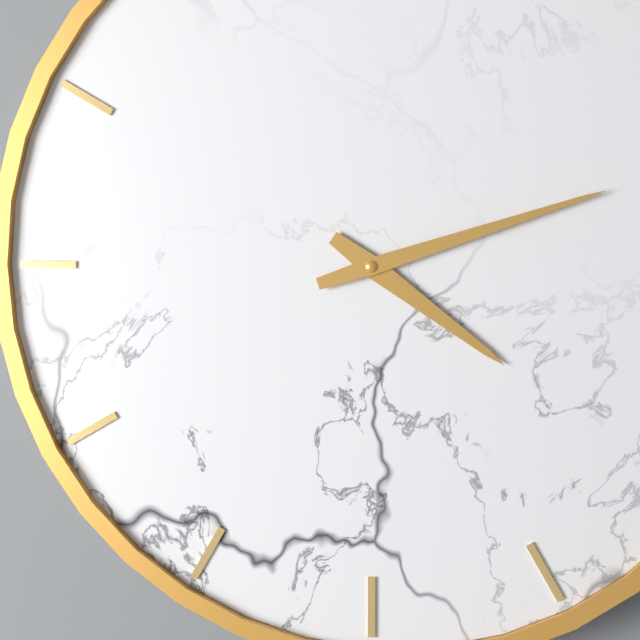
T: 4.12
